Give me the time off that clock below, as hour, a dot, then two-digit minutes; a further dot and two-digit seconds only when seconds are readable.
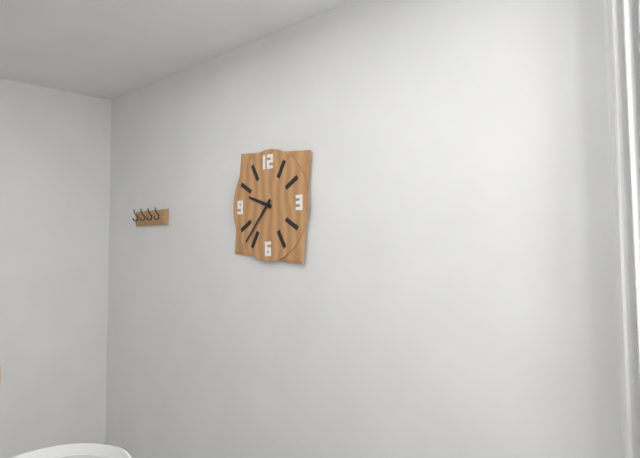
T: 9.37
